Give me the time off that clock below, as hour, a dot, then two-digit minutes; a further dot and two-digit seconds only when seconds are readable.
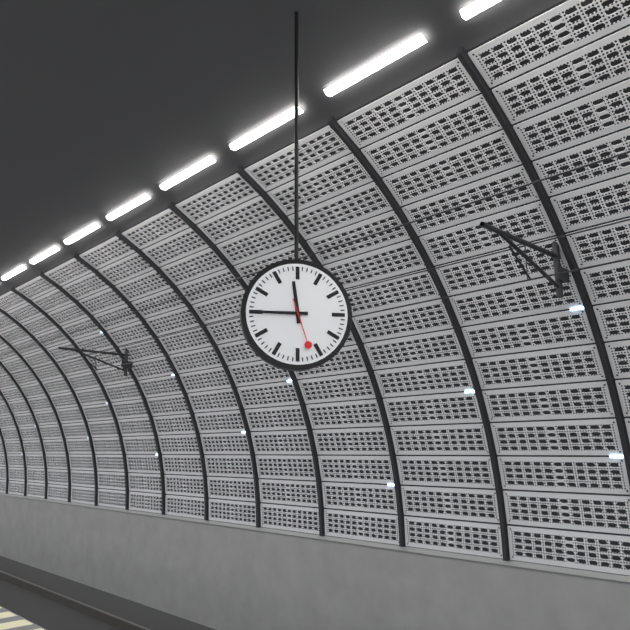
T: 11.45
